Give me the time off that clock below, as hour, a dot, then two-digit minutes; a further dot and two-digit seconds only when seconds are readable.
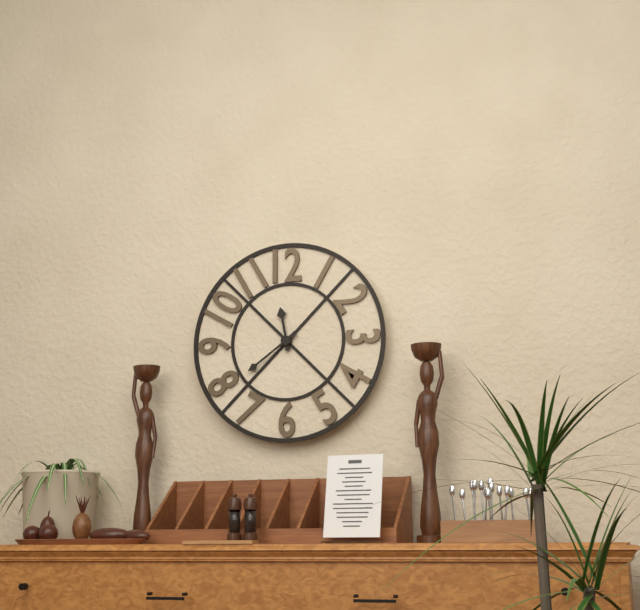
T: 11.39
